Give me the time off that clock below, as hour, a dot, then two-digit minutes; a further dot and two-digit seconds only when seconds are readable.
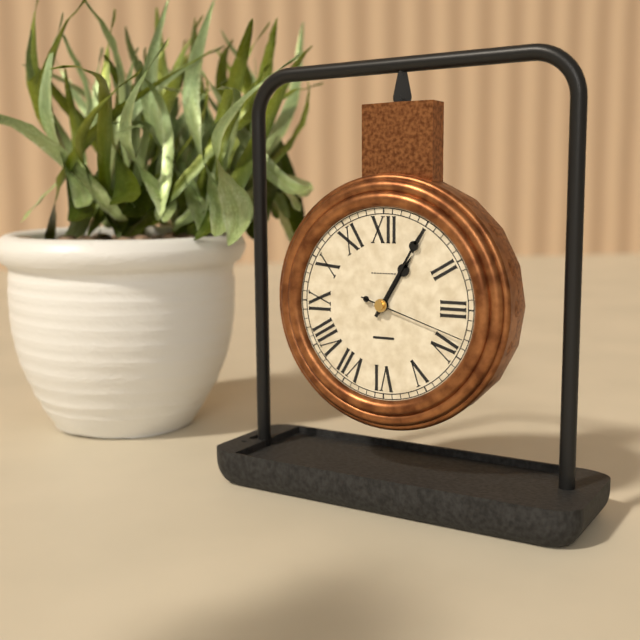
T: 1.05.18
